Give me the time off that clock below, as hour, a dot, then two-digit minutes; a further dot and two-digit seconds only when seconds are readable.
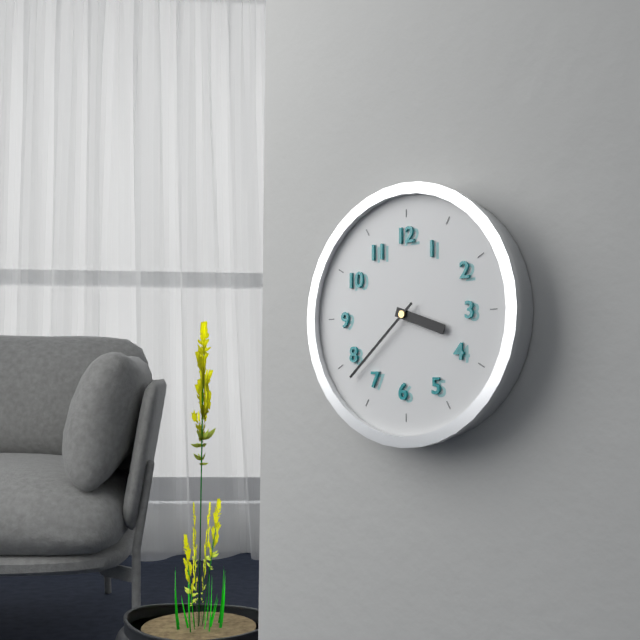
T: 3.38
